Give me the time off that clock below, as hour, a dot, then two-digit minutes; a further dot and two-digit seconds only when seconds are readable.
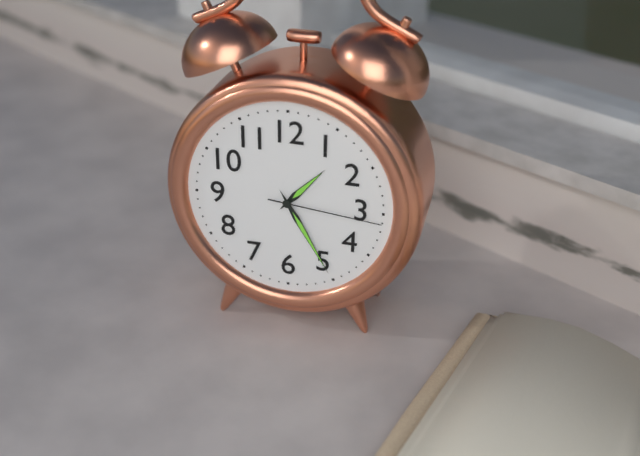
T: 1.25.16
